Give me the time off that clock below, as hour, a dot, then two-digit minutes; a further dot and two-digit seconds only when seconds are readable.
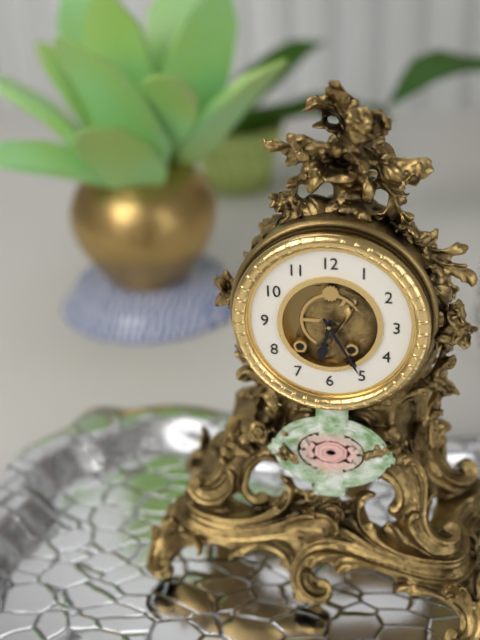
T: 6.25
